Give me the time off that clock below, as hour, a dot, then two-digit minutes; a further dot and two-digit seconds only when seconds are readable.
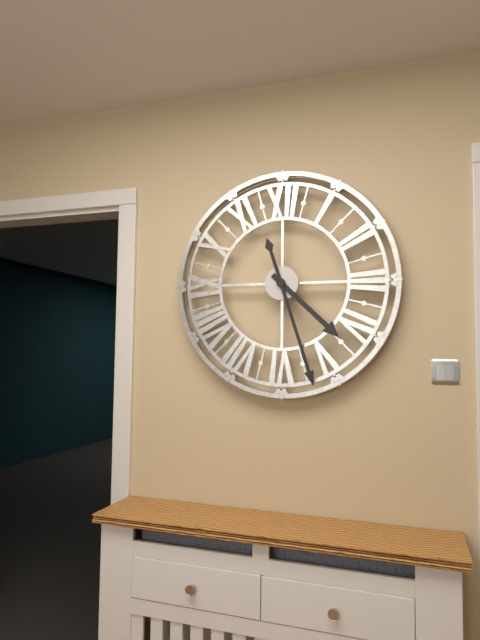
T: 4.27
